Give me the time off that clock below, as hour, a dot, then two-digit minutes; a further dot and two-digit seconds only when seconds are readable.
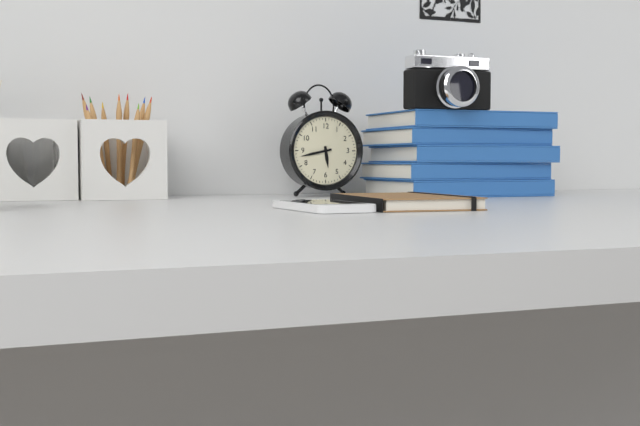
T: 5.43
